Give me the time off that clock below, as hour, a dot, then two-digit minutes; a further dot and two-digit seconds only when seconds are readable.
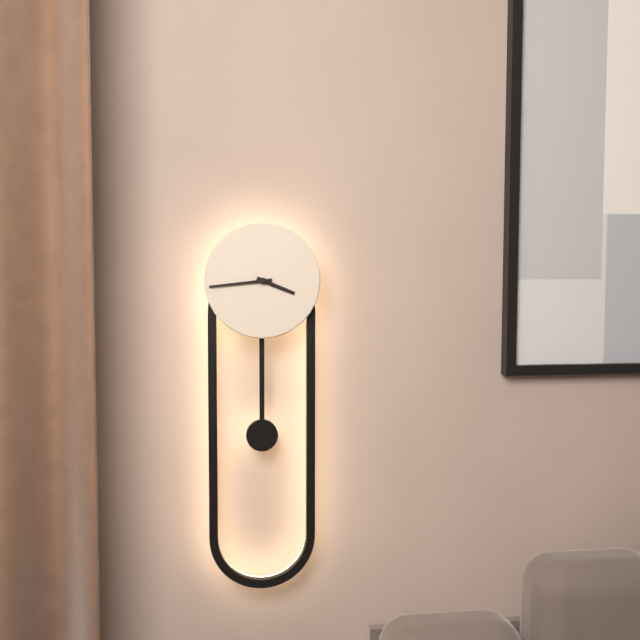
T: 3.44
